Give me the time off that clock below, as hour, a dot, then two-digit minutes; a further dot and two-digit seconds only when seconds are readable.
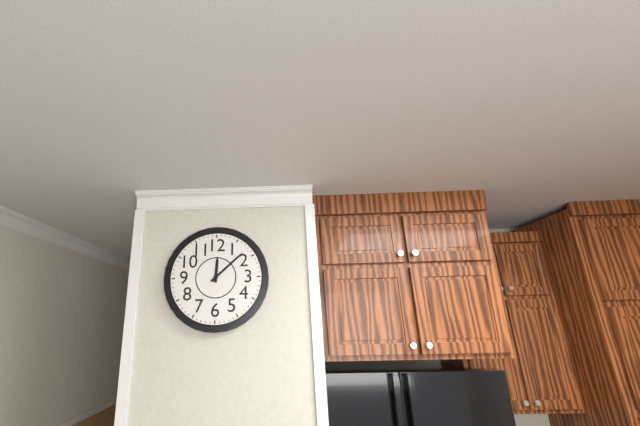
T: 12.08
